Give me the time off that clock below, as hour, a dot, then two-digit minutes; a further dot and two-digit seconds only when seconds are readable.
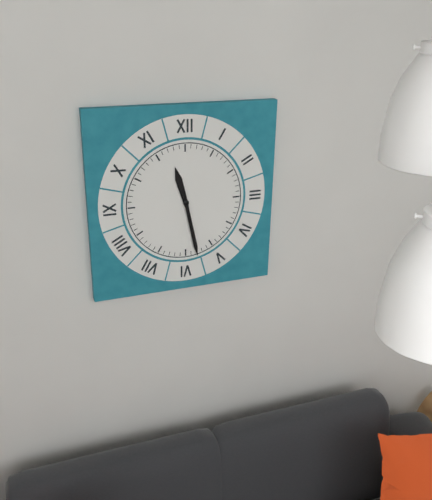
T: 11.28
